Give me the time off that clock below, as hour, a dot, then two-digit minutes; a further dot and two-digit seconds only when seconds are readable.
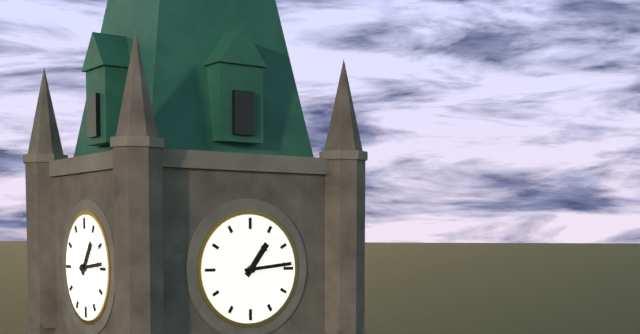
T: 1.14
